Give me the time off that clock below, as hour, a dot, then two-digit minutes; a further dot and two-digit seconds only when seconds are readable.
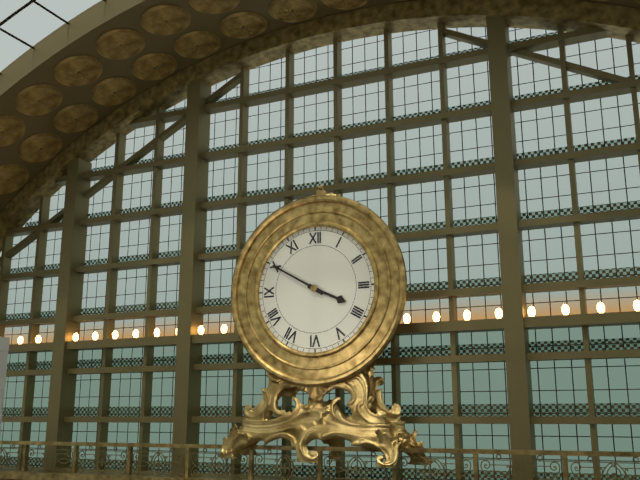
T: 3.50
